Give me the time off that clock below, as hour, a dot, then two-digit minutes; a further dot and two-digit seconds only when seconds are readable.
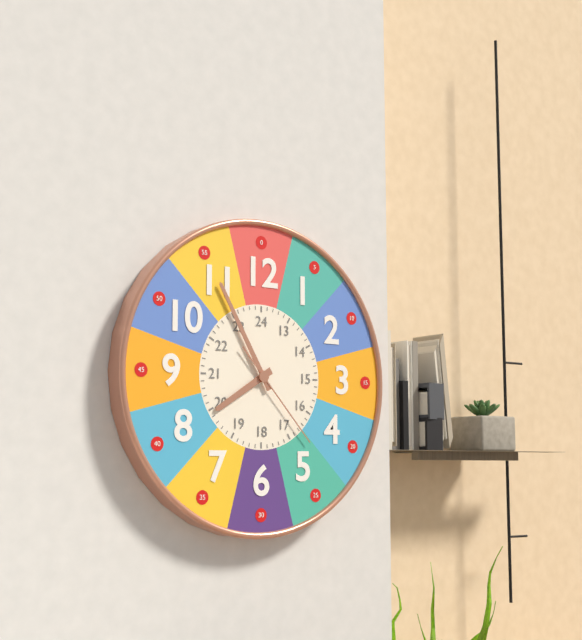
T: 7.55.23
